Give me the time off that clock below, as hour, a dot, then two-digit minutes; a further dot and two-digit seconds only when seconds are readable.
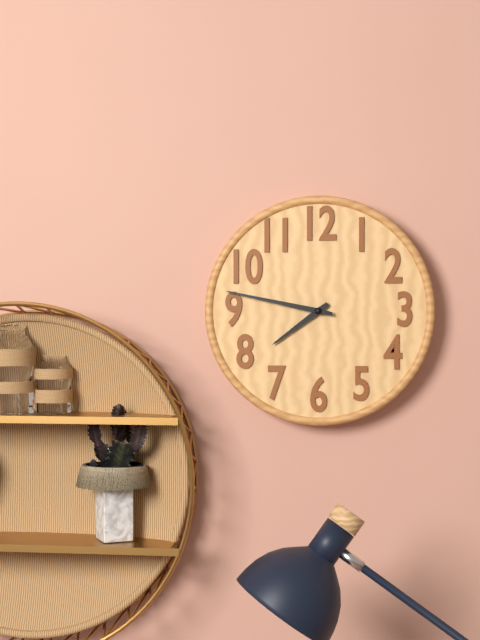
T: 7.47
